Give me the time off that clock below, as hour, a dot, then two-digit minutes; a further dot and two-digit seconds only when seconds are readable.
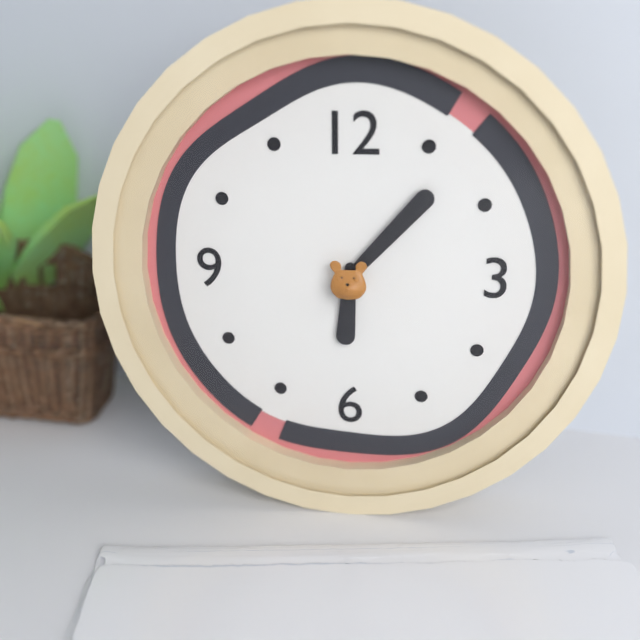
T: 6.07
